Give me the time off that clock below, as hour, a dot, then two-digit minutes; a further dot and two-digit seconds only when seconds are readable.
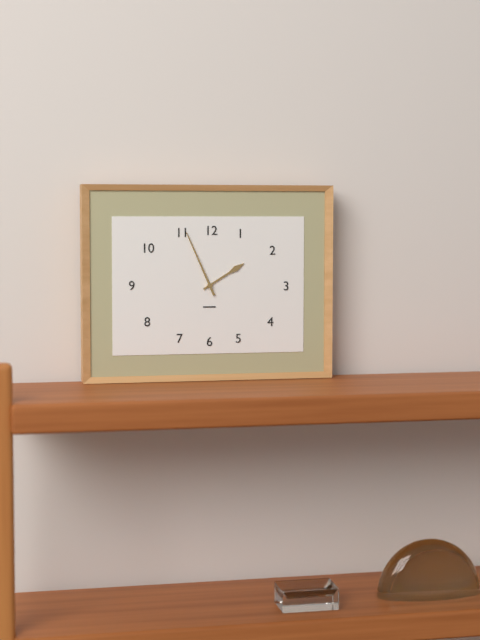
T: 1.56
